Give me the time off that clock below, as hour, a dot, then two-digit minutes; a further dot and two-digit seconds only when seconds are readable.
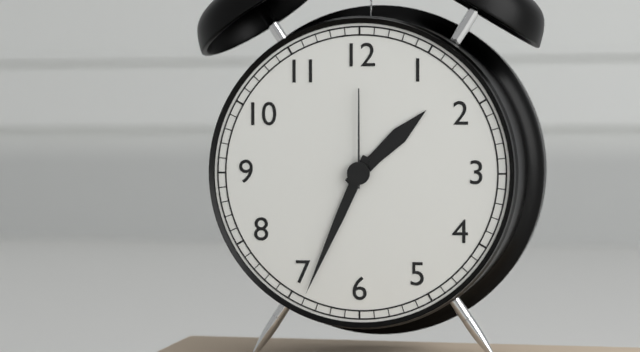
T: 1.34.00
